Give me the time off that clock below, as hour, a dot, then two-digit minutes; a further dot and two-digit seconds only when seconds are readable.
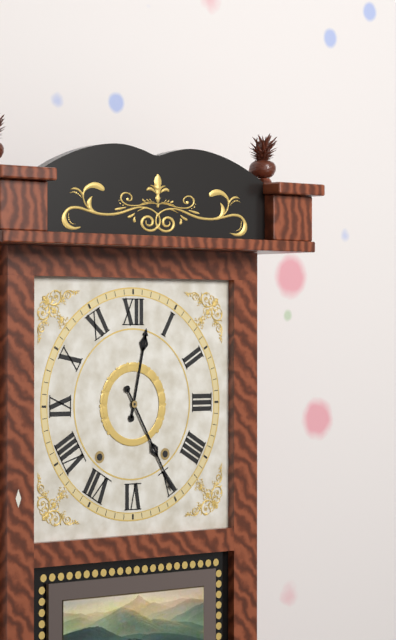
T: 12.25
